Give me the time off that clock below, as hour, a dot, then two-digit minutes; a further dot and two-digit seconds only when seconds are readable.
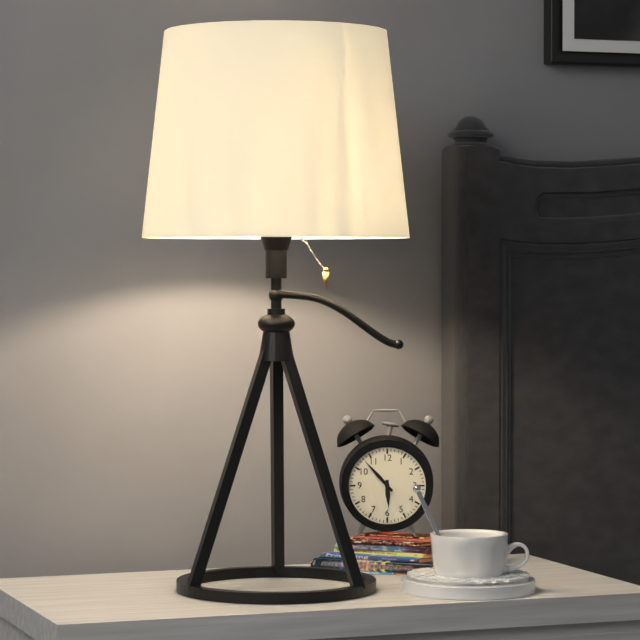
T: 5.53
